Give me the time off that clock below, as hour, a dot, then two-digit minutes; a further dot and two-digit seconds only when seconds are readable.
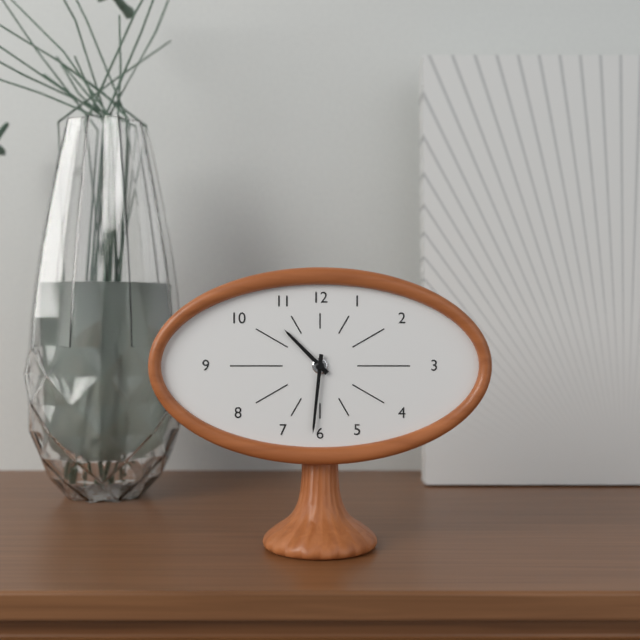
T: 10.31
